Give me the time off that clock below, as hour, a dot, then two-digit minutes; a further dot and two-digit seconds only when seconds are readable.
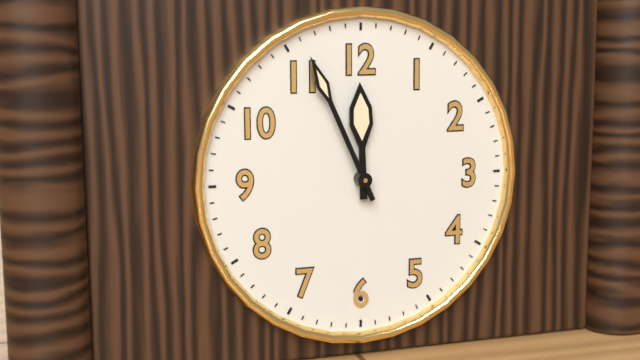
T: 11.56
